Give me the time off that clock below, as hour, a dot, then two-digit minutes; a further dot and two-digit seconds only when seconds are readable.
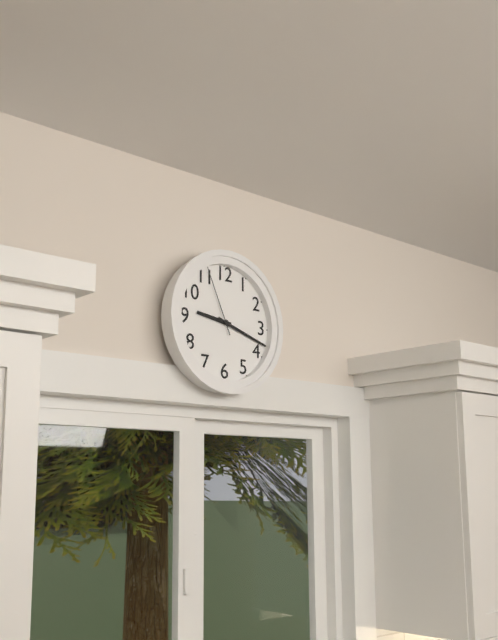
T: 9.18.56
